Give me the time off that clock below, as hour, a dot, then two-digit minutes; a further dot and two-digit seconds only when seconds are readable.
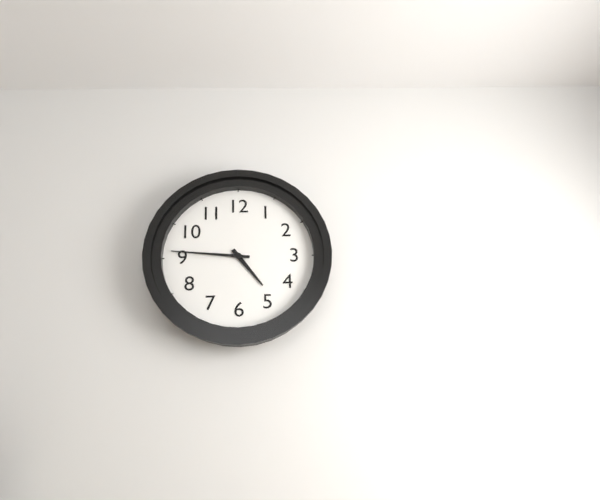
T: 4.46
